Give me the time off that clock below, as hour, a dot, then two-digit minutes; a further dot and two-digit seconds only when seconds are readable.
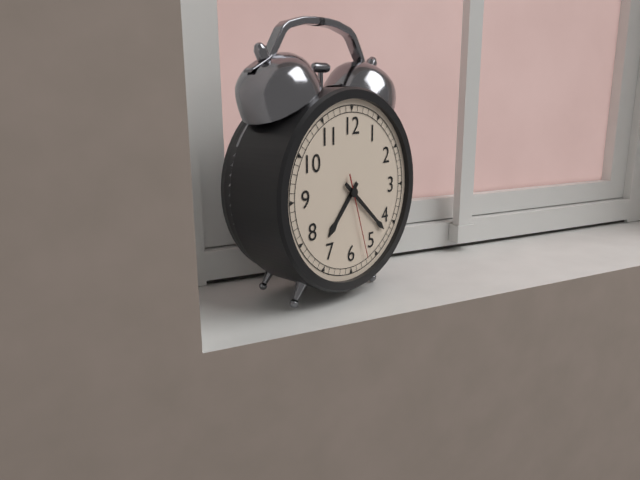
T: 7.22.27
